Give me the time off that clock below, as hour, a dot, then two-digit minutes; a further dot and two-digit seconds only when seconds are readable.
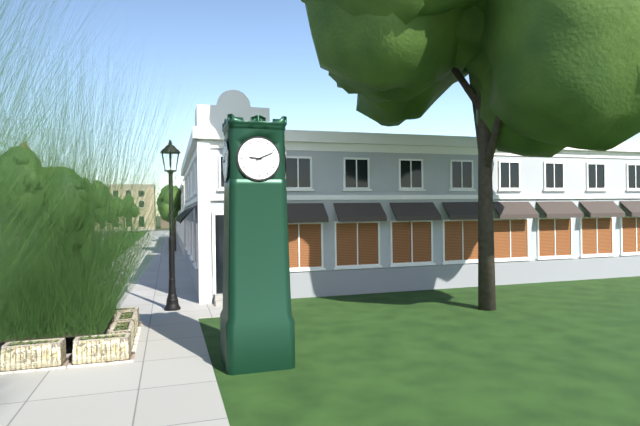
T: 9.11
